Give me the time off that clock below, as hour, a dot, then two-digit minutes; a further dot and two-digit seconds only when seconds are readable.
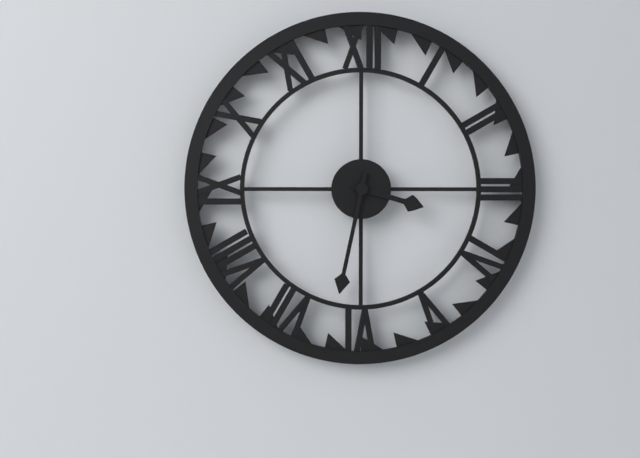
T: 3.32
